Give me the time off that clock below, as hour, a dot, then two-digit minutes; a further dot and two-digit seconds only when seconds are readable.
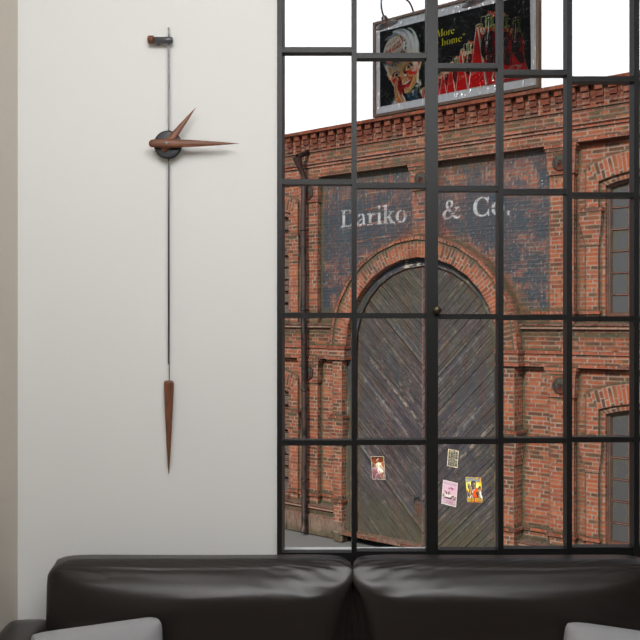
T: 1.15
